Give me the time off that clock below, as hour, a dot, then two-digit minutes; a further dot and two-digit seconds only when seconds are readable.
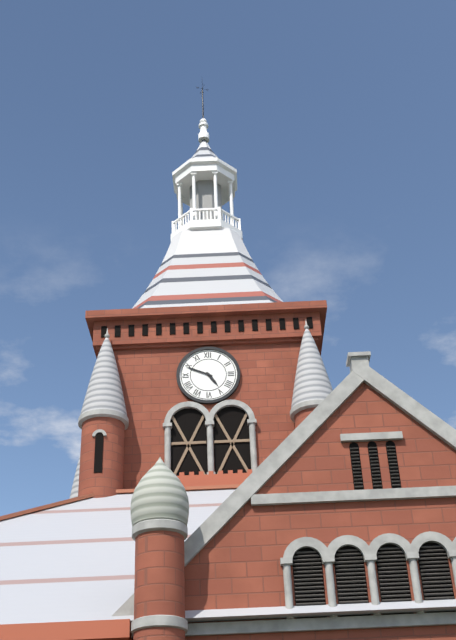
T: 4.49
